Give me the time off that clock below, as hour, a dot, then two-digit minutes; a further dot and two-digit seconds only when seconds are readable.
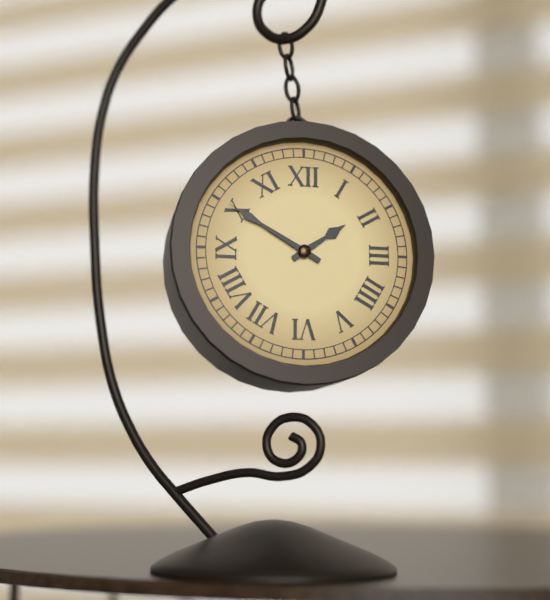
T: 1.50
